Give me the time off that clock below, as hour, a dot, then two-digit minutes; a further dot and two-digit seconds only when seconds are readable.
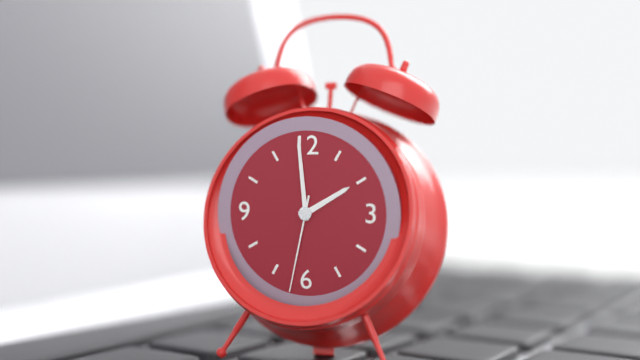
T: 1.59.32
